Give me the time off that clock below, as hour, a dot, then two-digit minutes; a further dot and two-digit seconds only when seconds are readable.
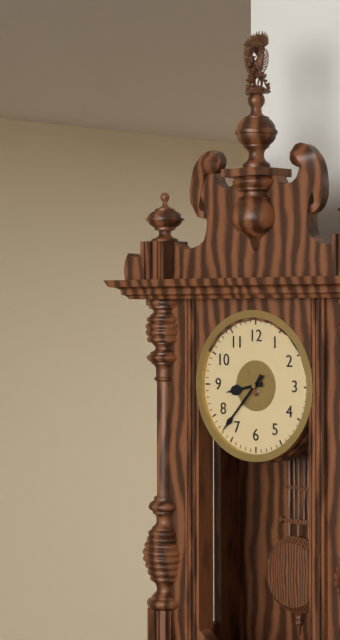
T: 8.37
